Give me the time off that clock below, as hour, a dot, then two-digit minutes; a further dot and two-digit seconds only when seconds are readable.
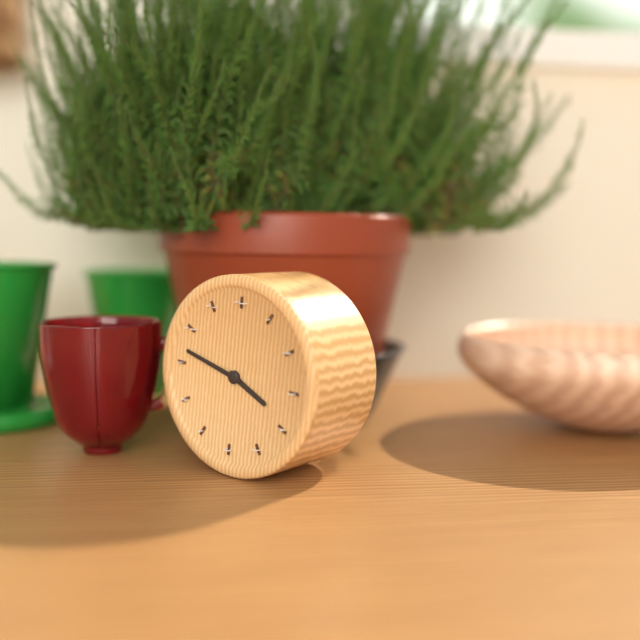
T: 3.47
